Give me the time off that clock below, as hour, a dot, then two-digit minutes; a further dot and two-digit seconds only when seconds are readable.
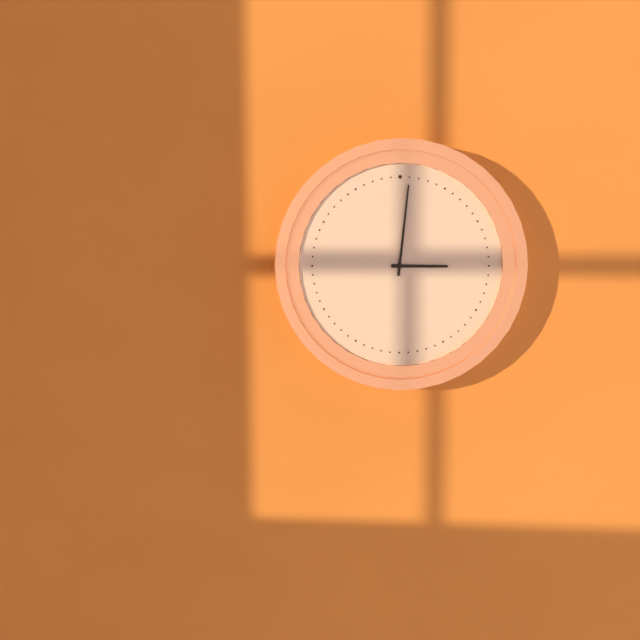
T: 3.01
